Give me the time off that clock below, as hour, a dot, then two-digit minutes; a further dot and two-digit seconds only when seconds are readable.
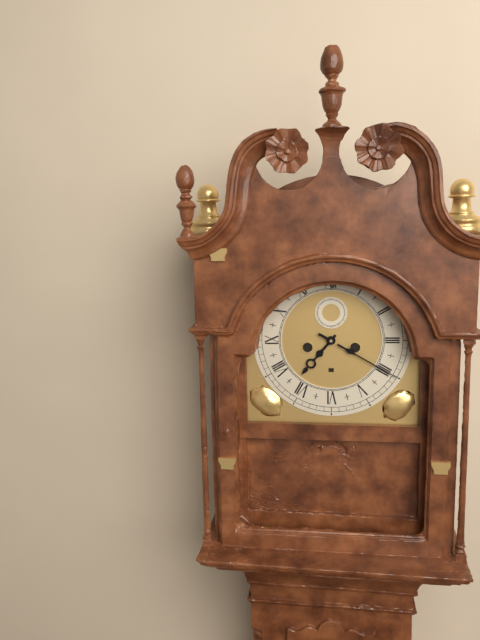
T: 7.20
